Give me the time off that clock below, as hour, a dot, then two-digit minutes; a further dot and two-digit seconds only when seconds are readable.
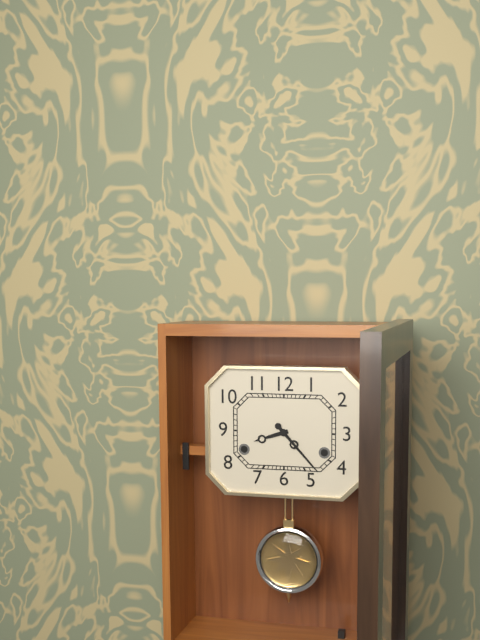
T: 8.23
